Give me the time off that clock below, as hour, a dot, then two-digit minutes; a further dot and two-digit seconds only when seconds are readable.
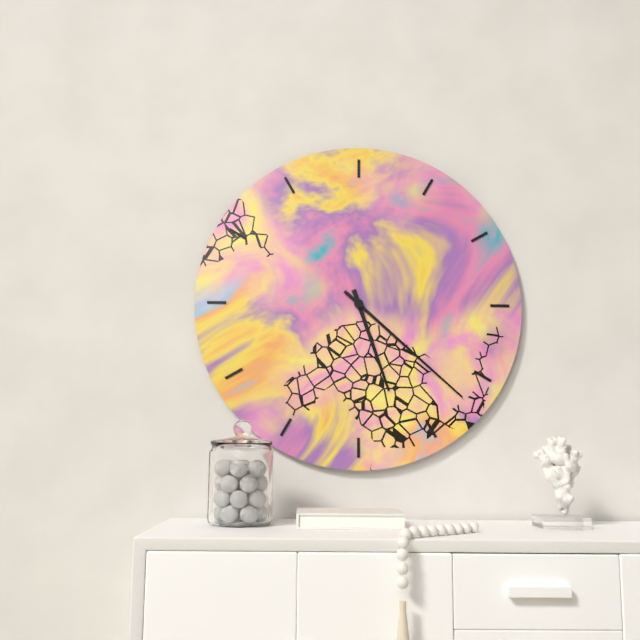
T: 5.22
